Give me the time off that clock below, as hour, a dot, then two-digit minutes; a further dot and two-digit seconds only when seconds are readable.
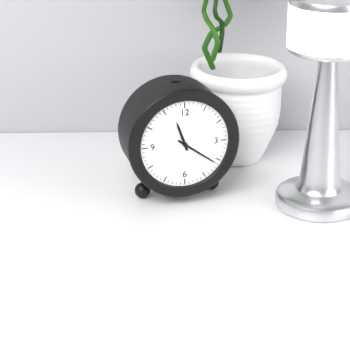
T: 11.21
